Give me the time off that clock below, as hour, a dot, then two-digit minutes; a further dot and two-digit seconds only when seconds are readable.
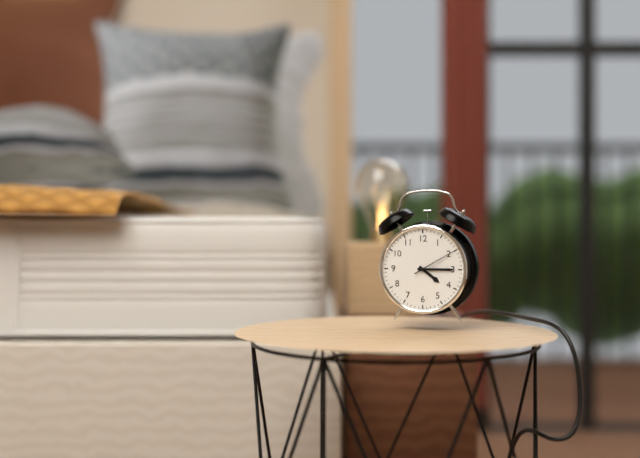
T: 4.15
